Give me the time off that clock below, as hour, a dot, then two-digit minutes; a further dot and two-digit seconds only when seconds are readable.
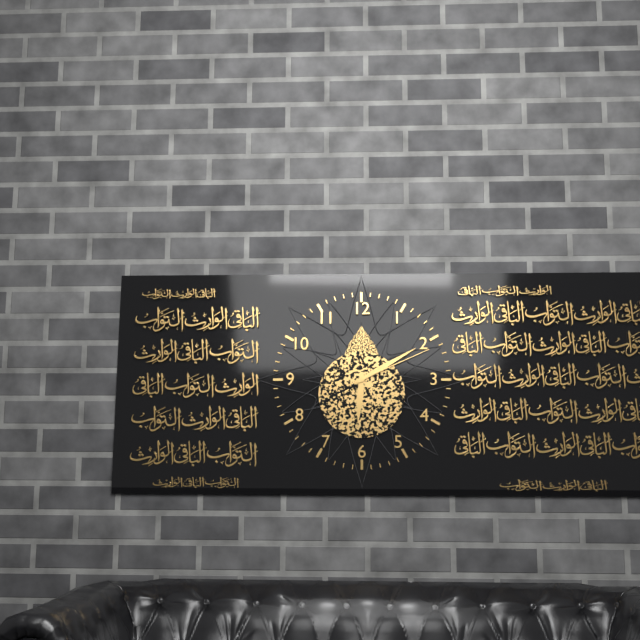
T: 6.10.11
